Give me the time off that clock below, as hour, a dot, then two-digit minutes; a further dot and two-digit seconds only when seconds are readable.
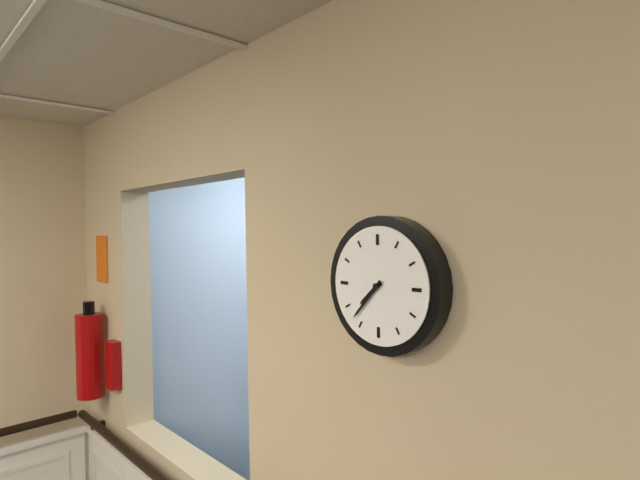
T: 7.37
